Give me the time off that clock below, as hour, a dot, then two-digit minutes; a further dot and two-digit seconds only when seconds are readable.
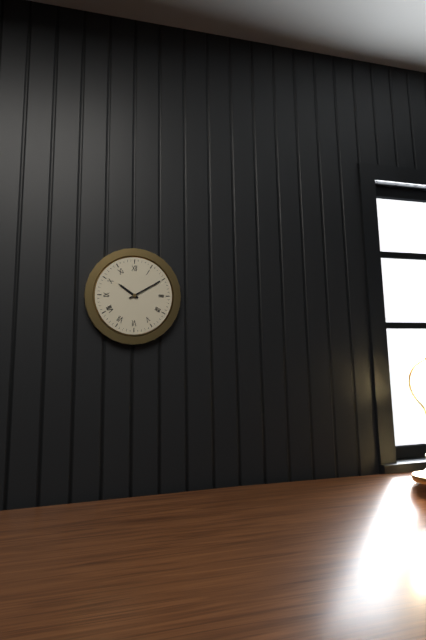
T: 10.10
